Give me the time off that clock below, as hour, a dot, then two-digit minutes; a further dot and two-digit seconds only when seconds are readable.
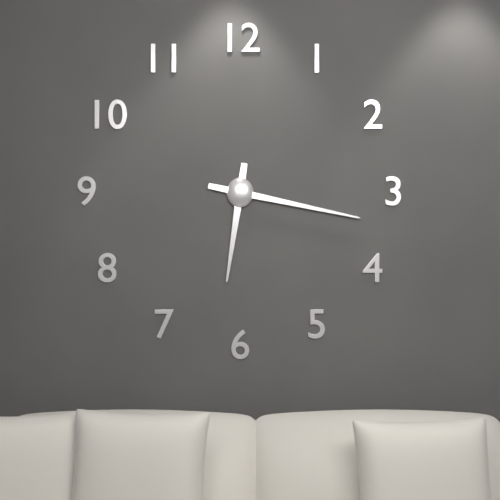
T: 6.17
